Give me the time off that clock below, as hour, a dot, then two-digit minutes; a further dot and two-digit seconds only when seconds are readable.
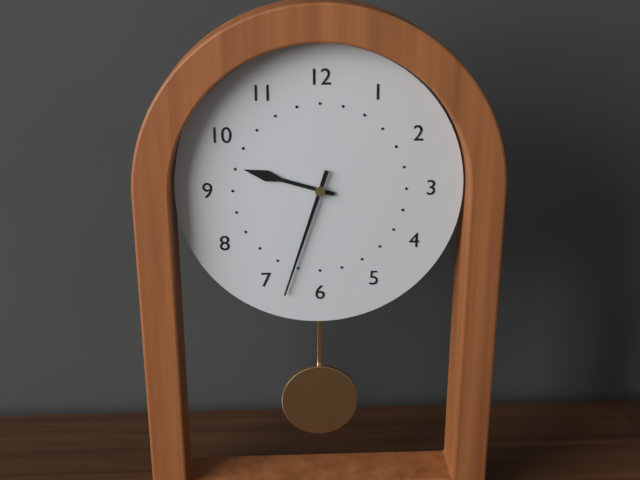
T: 9.33
